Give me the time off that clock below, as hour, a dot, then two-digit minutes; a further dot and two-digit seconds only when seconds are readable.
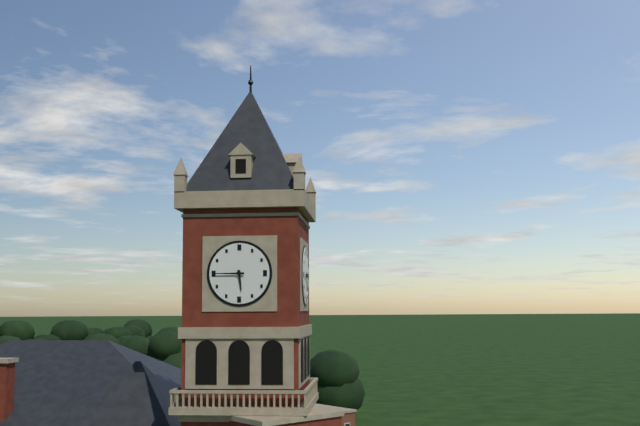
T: 5.45
